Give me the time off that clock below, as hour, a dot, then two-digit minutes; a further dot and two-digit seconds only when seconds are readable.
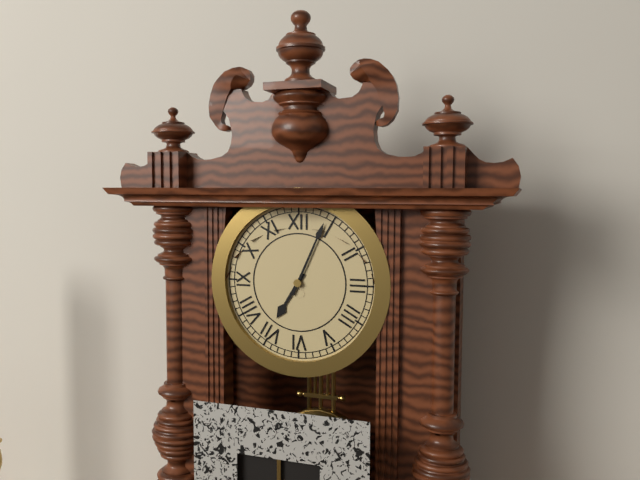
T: 7.04
